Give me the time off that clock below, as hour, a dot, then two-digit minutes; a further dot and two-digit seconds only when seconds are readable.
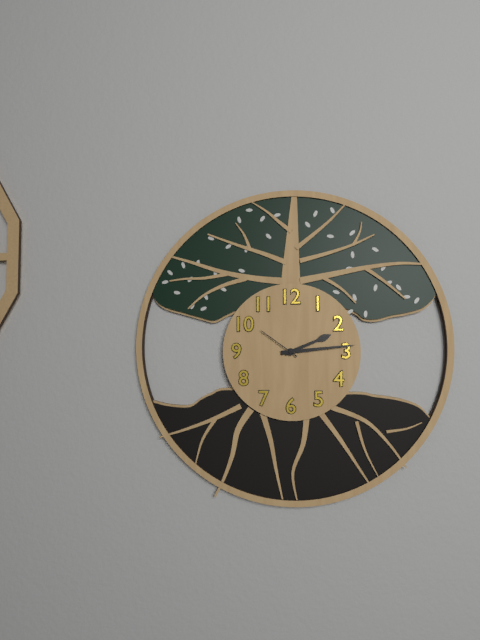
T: 2.14
